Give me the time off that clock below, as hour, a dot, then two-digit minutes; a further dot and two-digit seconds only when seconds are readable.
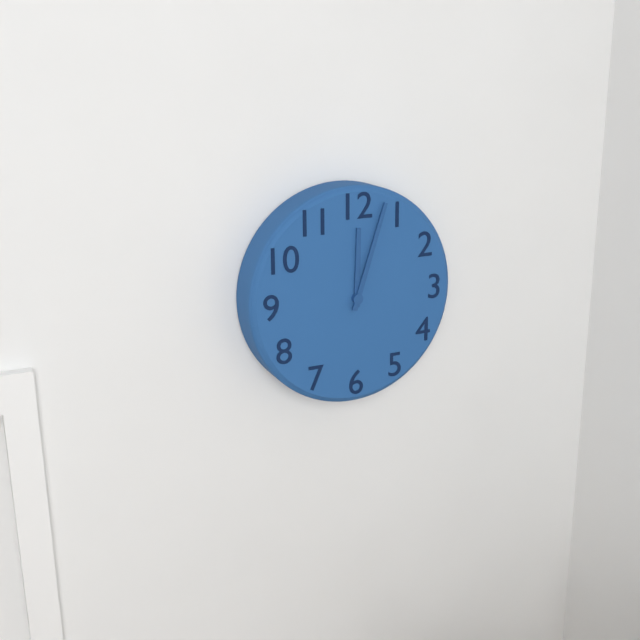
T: 12.03
